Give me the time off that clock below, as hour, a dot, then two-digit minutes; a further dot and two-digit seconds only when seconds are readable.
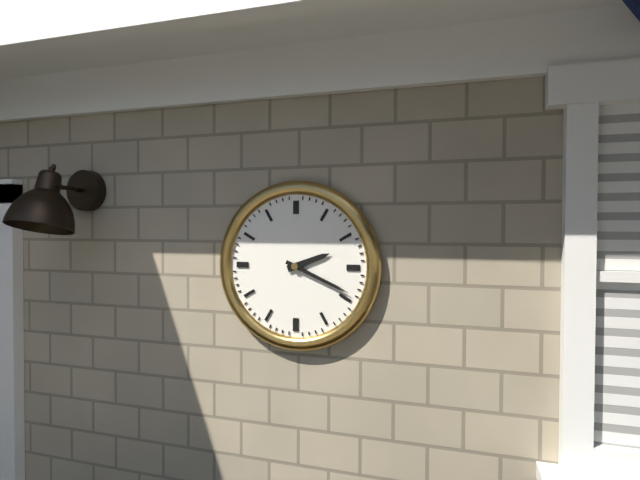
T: 2.19
